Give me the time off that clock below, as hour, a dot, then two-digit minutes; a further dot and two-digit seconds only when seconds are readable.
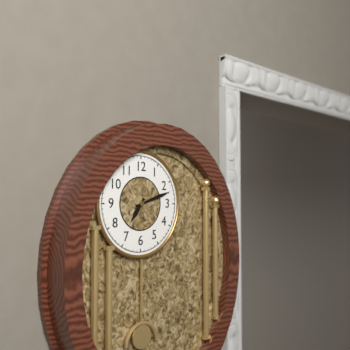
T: 7.12
